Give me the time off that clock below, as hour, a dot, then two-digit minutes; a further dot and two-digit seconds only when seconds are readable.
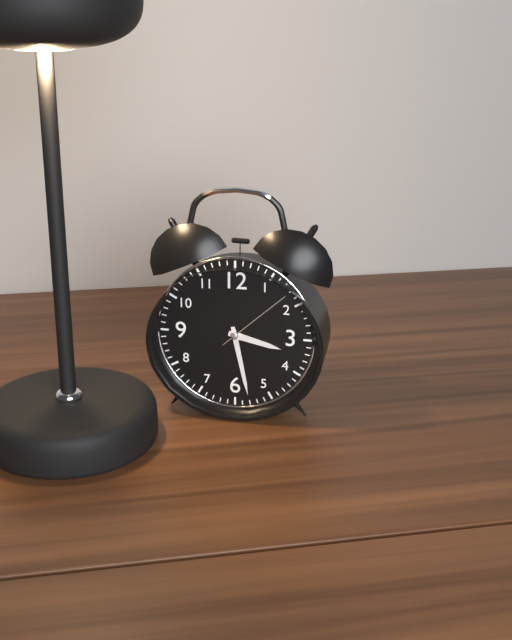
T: 3.28.08
